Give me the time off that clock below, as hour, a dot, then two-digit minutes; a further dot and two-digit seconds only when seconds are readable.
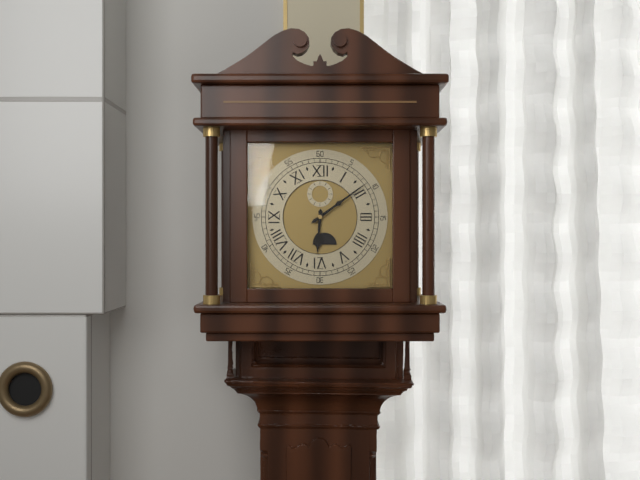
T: 6.09
